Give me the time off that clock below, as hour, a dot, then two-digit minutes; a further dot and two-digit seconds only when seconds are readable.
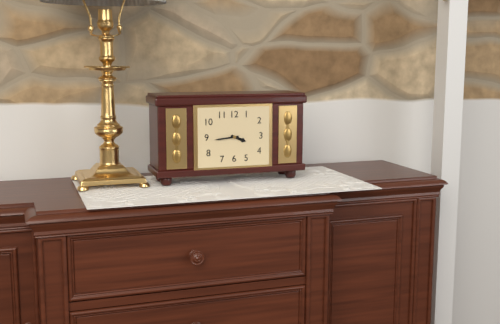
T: 3.44
